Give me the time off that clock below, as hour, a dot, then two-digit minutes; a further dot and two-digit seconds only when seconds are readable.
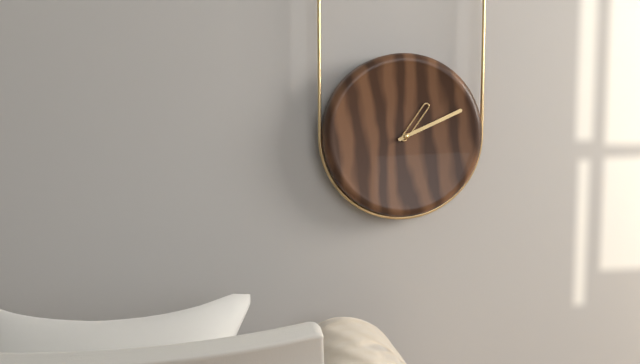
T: 1.11
